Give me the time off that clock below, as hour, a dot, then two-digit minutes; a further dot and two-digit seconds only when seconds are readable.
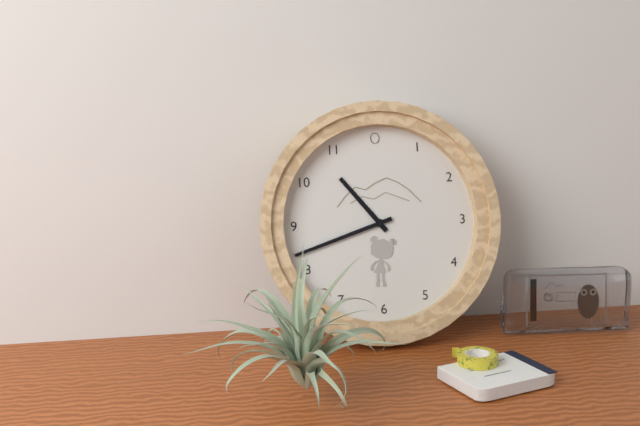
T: 10.42
